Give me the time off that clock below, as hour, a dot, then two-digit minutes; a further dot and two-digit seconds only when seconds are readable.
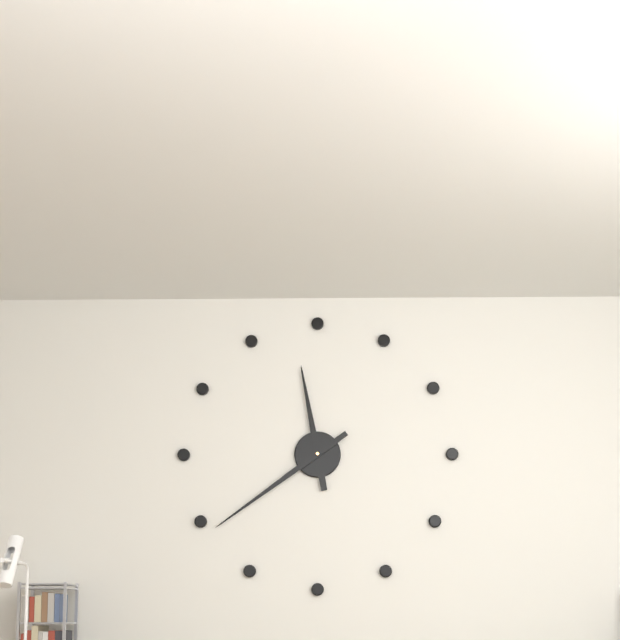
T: 11.39
